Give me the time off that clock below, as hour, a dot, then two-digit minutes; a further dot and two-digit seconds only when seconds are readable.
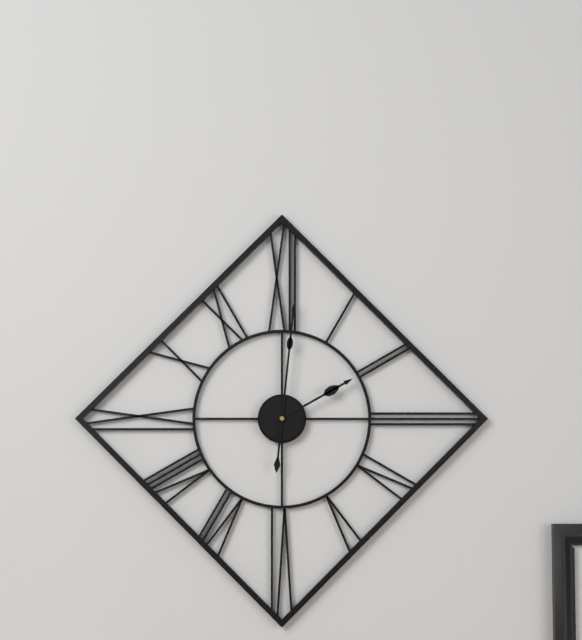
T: 2.01
